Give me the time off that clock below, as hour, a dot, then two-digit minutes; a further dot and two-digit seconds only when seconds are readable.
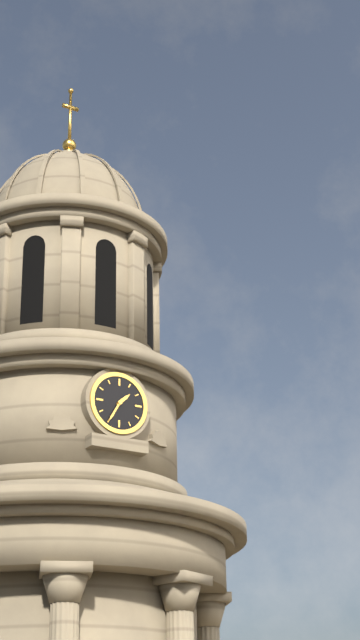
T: 1.35
